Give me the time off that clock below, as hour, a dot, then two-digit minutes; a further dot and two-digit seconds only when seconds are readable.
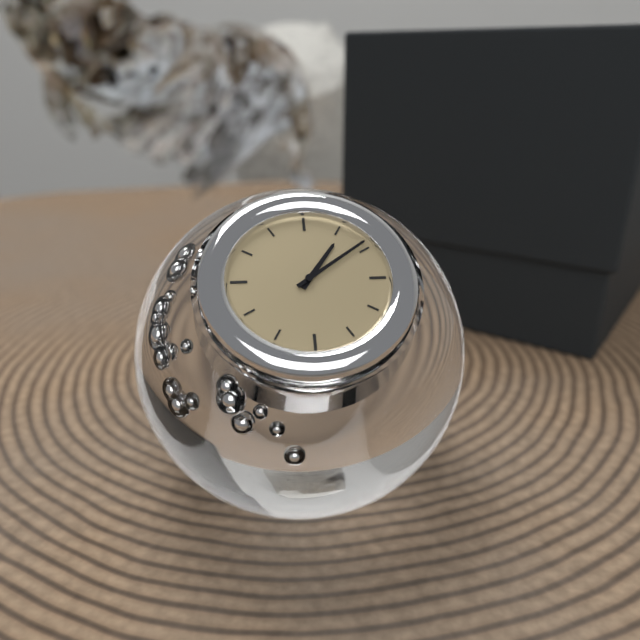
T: 1.09
